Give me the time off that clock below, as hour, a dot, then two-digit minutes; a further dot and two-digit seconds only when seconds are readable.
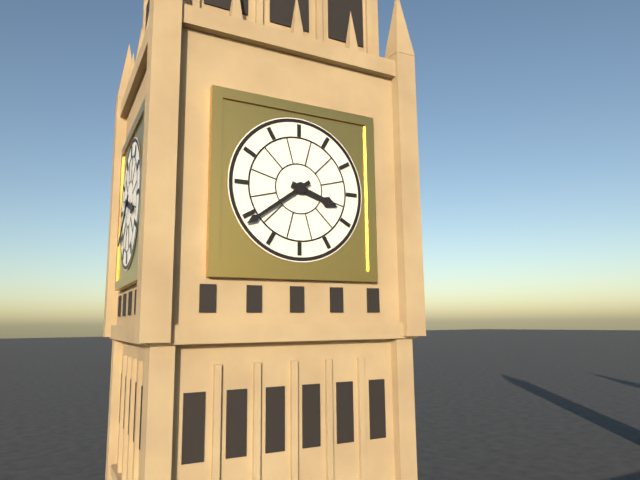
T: 3.39
